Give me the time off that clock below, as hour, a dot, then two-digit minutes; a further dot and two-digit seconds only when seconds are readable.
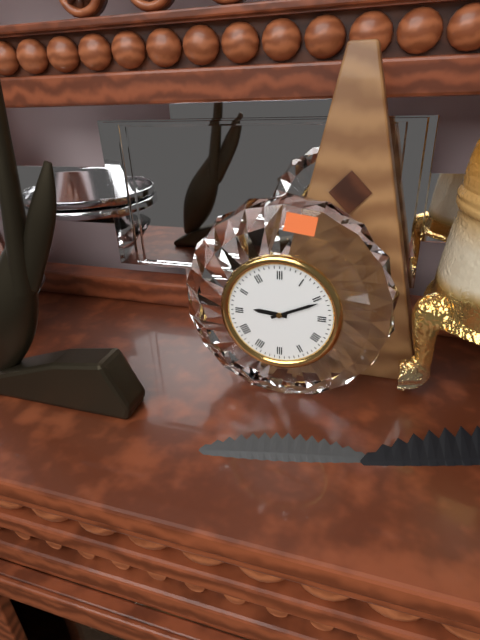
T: 9.11
